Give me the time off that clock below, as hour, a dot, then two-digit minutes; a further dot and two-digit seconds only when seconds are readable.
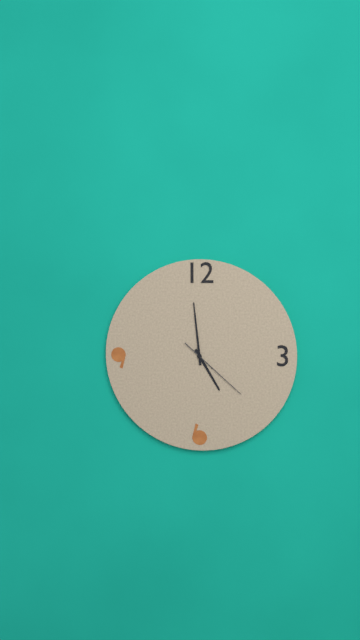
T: 4.59.22
